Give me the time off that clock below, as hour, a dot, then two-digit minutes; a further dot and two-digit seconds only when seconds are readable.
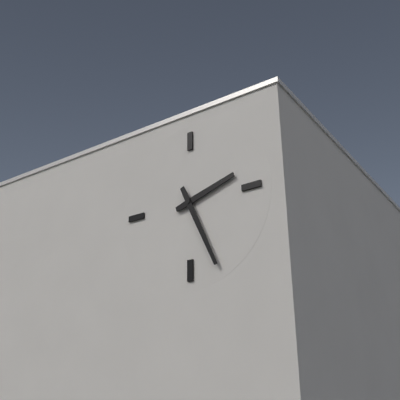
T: 2.26
